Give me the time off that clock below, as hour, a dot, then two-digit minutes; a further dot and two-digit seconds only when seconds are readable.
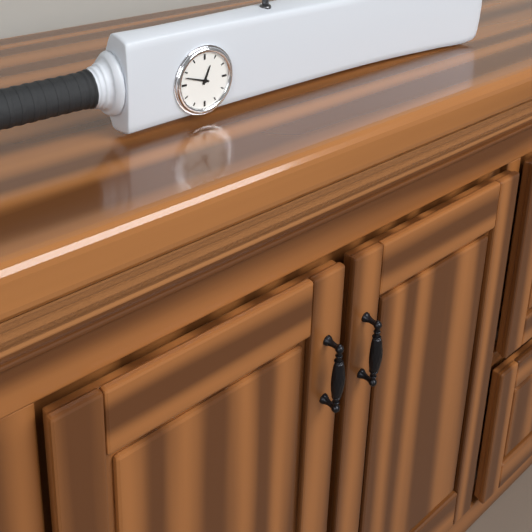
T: 12.48
